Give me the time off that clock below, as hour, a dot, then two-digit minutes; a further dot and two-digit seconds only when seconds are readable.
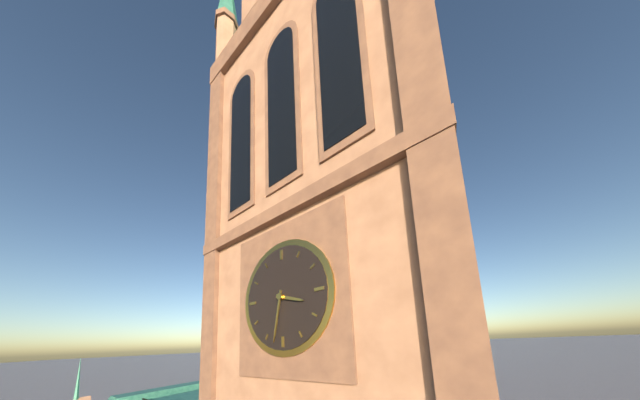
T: 3.32
